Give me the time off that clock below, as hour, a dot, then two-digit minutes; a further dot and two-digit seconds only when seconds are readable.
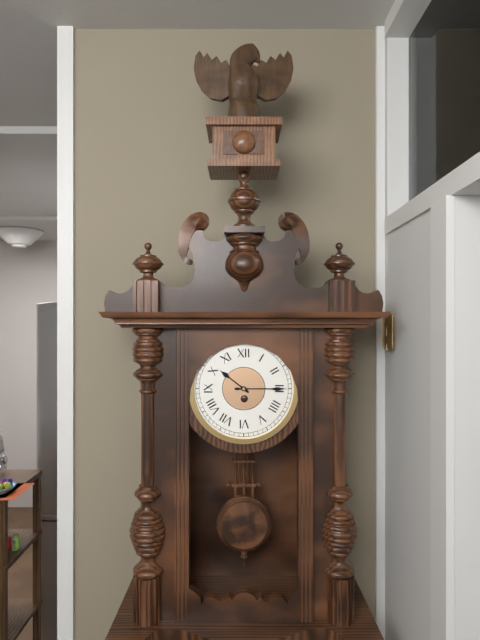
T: 10.15
